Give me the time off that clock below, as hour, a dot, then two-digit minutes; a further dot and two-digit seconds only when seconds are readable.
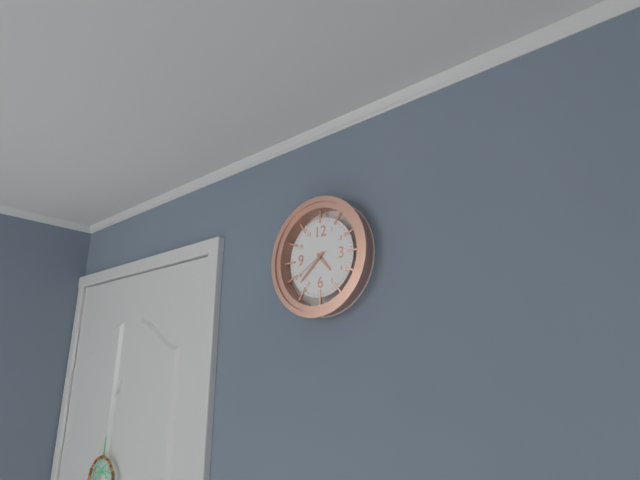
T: 4.38
